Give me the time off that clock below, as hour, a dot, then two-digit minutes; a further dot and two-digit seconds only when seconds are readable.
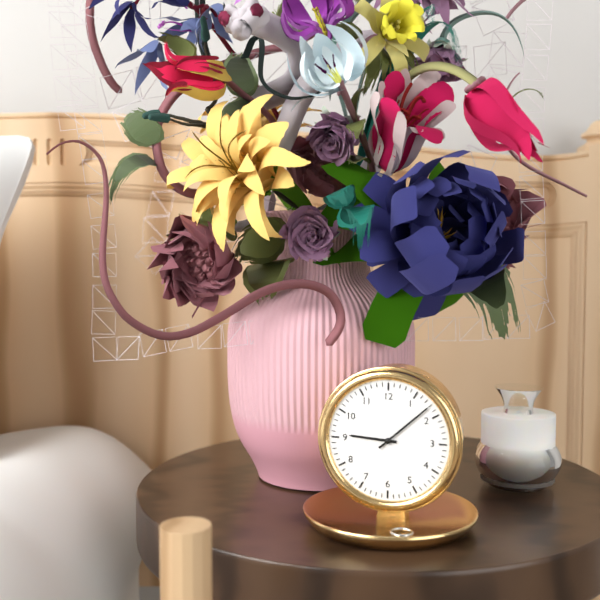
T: 9.08
